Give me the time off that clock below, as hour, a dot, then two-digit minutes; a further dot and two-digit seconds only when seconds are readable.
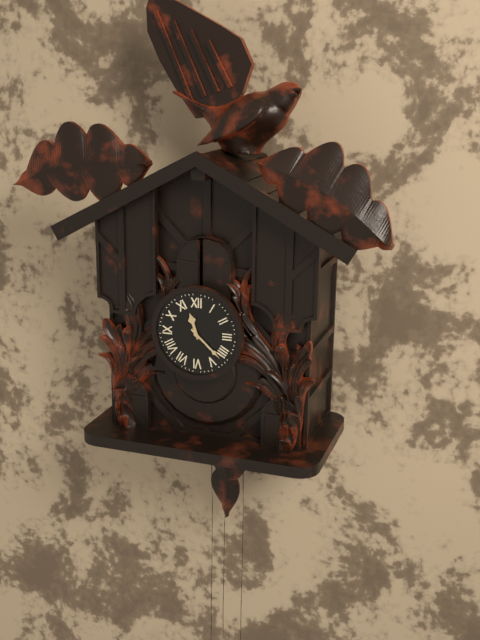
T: 11.22
